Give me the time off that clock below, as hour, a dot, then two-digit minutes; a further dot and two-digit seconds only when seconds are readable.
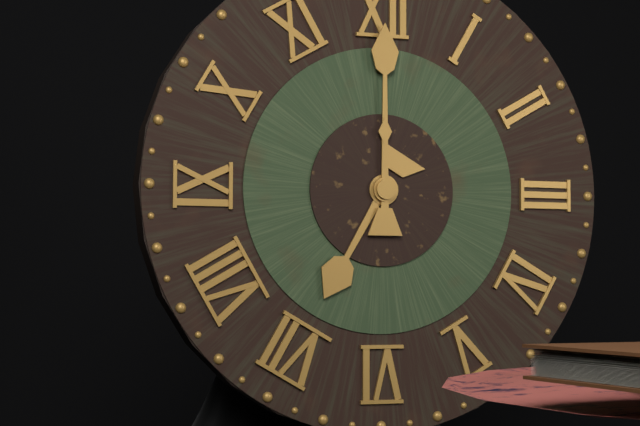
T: 7.00
